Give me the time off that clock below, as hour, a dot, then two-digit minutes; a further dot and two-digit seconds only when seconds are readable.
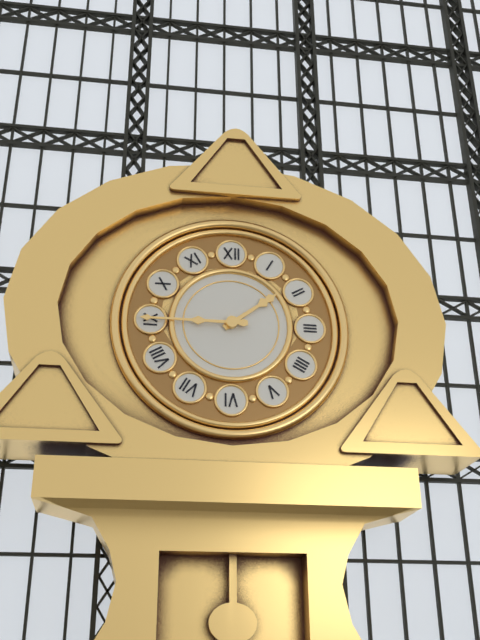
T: 1.45
